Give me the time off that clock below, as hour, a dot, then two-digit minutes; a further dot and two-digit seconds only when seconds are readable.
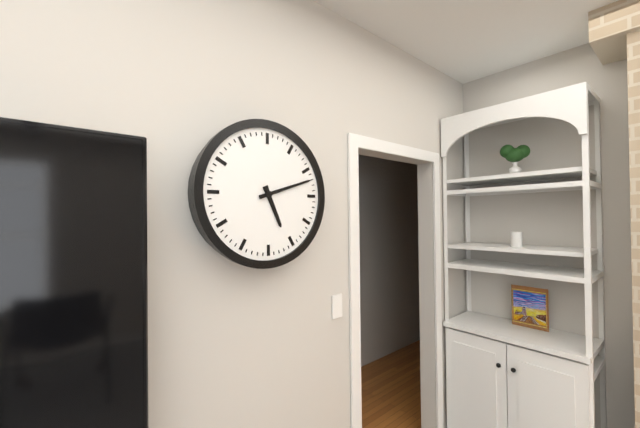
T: 5.12
